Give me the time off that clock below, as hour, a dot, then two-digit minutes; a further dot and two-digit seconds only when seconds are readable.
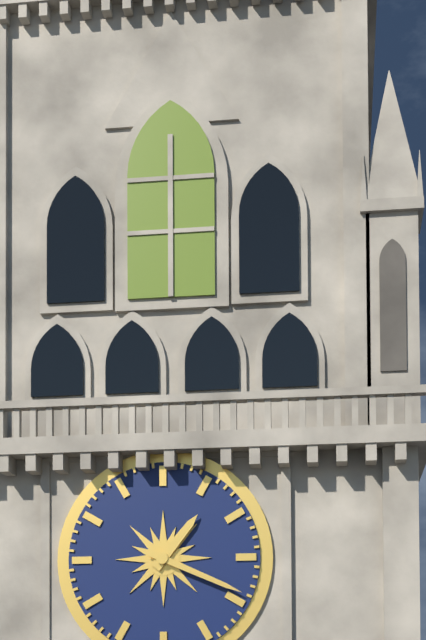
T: 1.19
